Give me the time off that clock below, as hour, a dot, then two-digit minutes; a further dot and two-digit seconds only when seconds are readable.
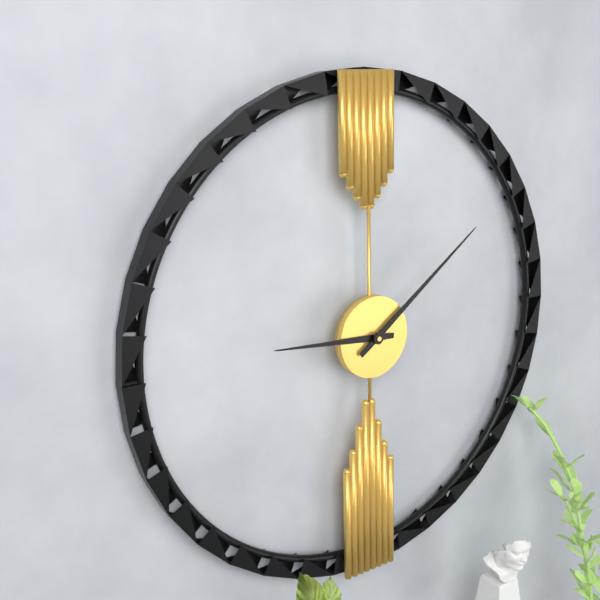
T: 9.09
